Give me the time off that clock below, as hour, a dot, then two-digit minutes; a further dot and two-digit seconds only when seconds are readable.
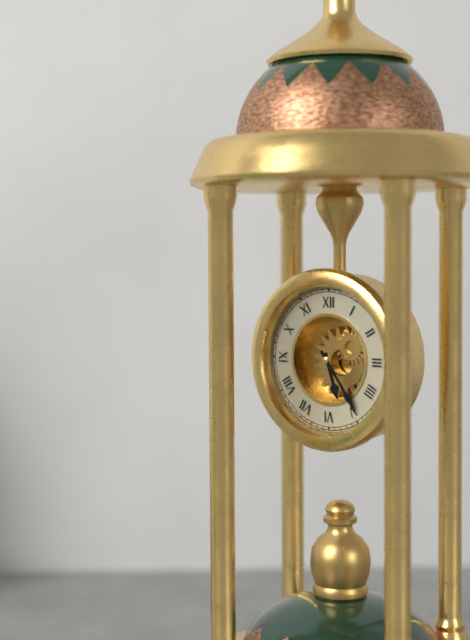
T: 5.24
